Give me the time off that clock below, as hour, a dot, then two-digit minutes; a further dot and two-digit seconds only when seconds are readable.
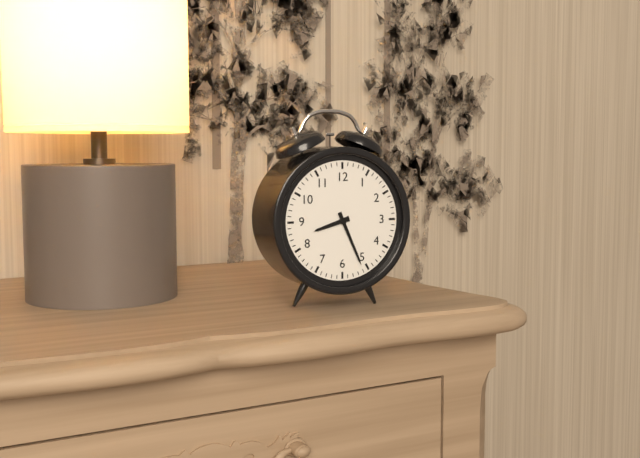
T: 8.26
